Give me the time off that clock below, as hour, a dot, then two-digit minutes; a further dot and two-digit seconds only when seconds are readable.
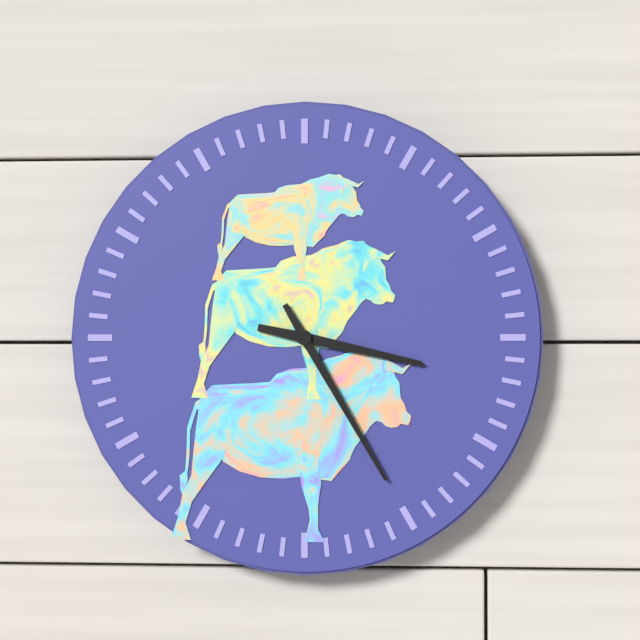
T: 3.25
